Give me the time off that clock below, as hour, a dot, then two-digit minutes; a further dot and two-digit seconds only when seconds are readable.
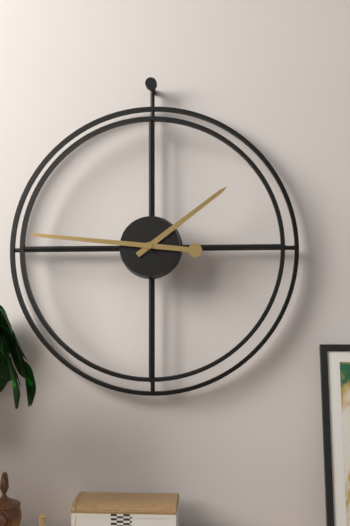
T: 1.46
